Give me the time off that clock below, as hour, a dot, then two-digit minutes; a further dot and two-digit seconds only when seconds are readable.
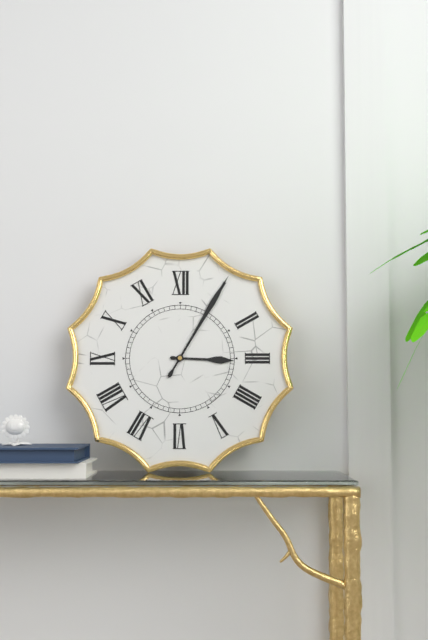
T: 3.05
